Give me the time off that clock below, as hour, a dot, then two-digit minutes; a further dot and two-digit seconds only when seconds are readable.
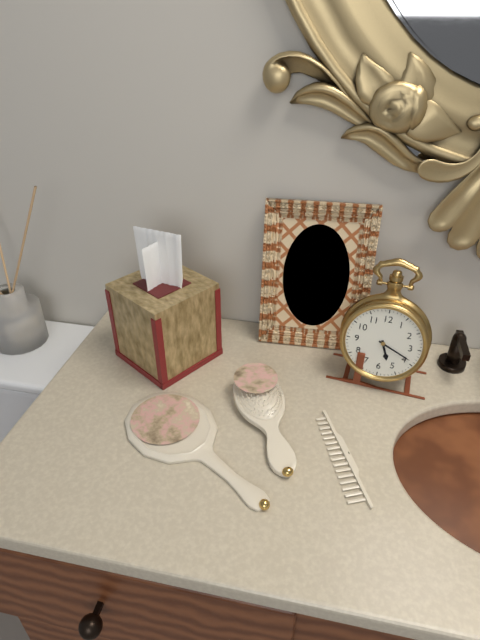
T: 5.19
